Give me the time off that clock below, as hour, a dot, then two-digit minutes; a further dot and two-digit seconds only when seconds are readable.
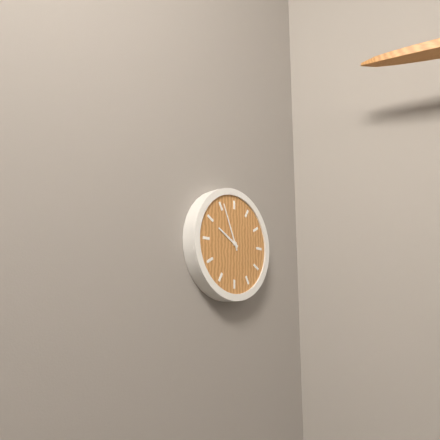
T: 9.56
